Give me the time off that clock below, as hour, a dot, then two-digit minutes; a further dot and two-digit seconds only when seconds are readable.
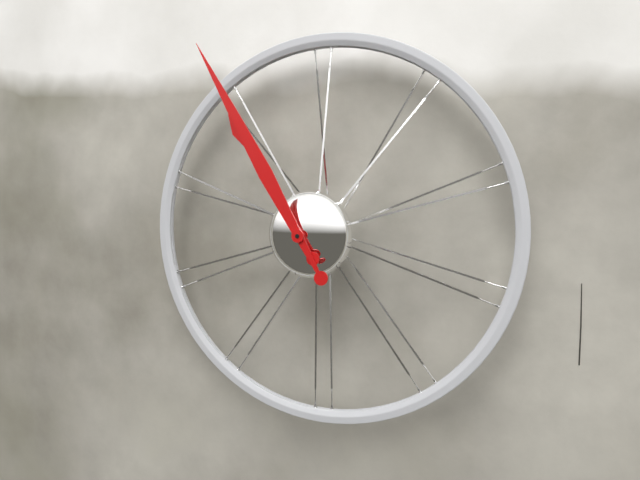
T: 10.55
